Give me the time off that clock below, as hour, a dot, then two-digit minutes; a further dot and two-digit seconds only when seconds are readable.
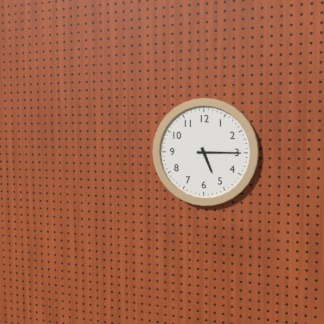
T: 5.15
